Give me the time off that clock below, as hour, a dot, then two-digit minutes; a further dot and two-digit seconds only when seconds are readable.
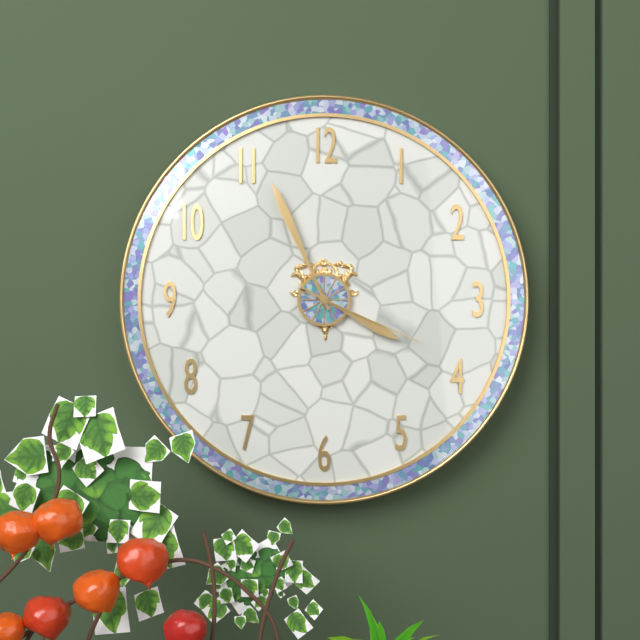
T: 3.56.19
